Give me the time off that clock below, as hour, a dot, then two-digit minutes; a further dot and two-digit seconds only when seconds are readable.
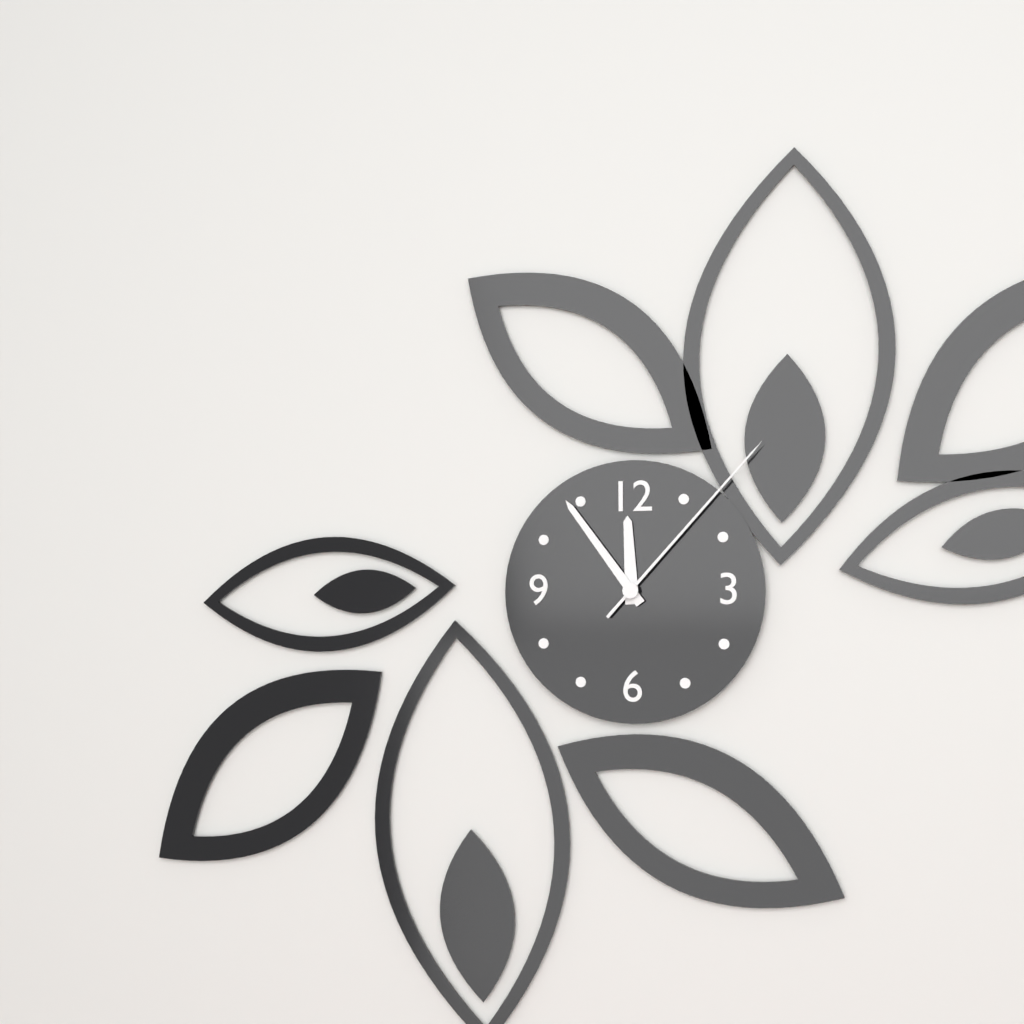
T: 11.54.07
